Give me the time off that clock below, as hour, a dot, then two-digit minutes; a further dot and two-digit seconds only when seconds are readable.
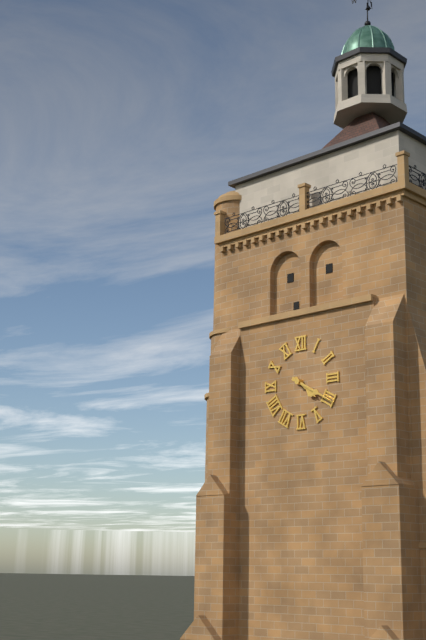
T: 4.20
